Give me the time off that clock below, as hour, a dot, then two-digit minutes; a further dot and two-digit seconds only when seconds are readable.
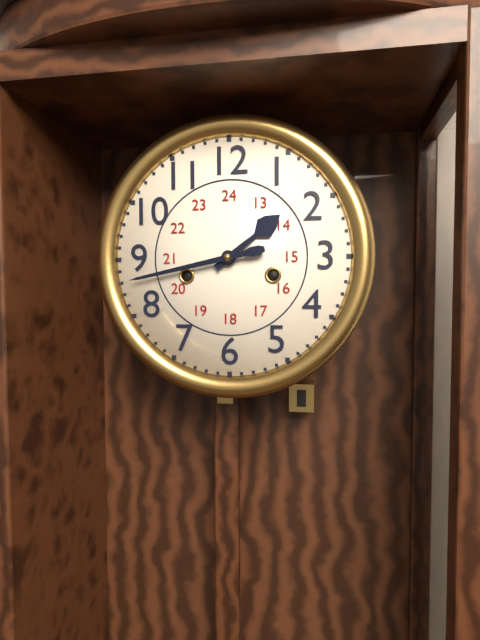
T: 1.43
